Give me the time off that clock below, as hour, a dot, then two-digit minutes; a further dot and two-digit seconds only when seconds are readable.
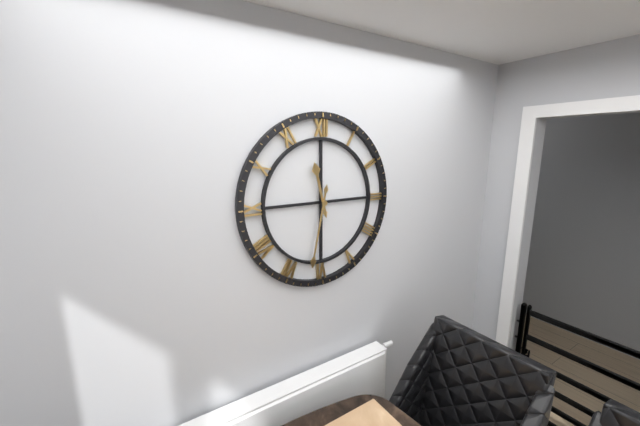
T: 11.32
